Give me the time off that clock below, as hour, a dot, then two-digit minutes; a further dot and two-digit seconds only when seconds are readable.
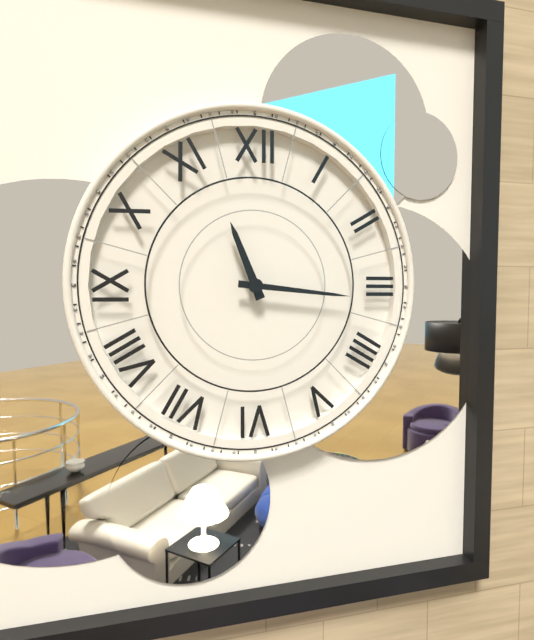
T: 11.16
